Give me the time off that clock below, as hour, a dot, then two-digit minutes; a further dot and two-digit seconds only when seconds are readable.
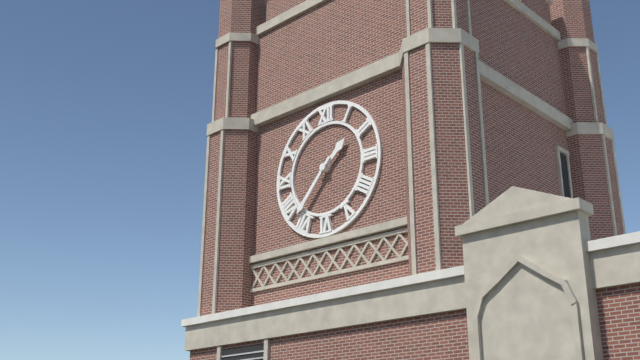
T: 1.37
